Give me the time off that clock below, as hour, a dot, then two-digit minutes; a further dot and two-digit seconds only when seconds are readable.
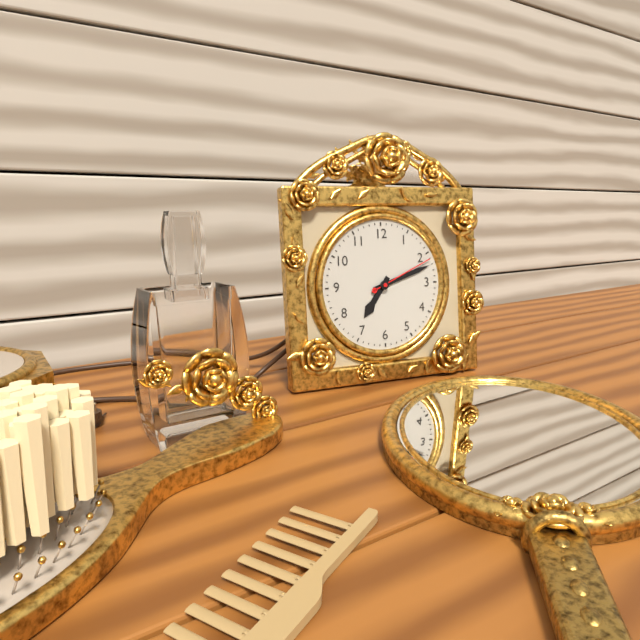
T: 7.12.11
